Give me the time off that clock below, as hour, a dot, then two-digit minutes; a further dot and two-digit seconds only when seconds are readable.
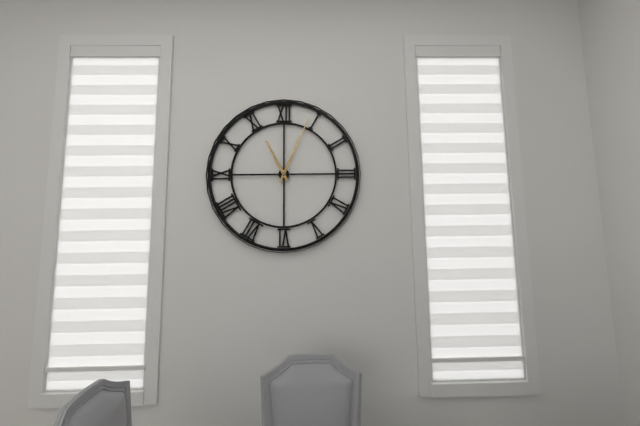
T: 11.04
